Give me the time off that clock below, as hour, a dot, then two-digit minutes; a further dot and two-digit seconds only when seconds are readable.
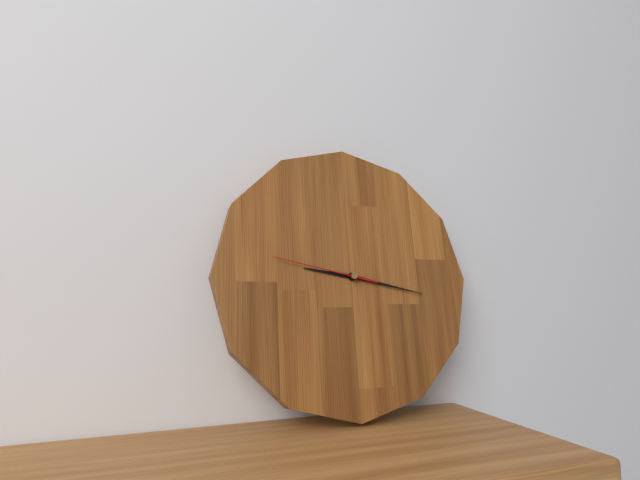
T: 9.17.47
